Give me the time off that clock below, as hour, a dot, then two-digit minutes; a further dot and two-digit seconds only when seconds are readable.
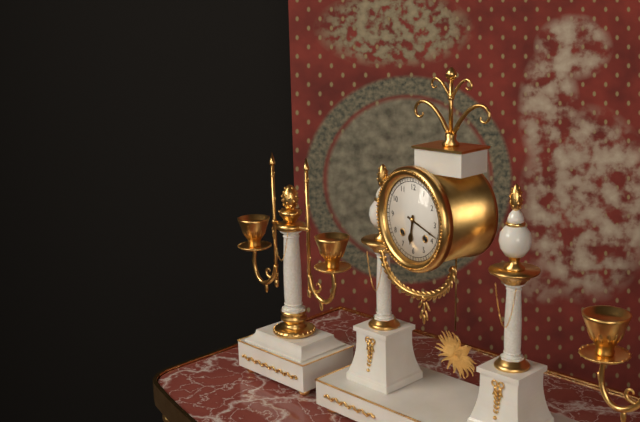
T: 6.18
